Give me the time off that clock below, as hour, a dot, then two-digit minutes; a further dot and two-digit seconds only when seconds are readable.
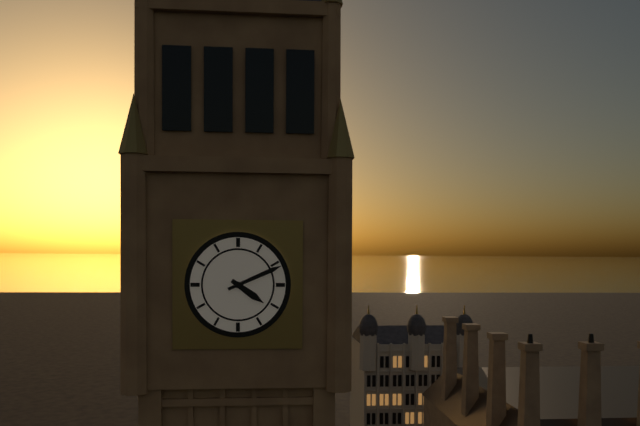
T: 4.11
